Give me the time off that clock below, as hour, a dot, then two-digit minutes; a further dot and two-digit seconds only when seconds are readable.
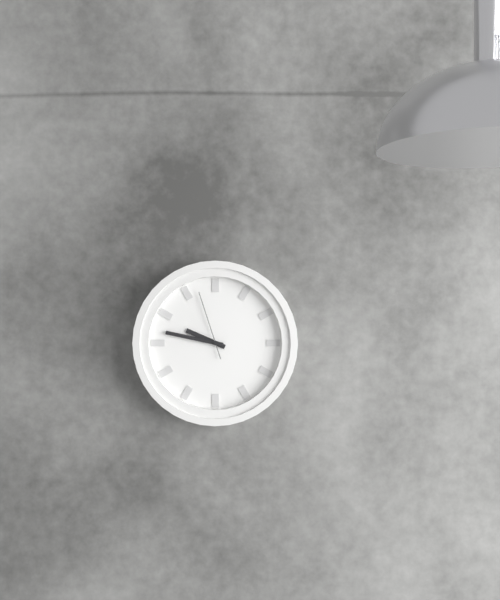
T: 9.47.57
